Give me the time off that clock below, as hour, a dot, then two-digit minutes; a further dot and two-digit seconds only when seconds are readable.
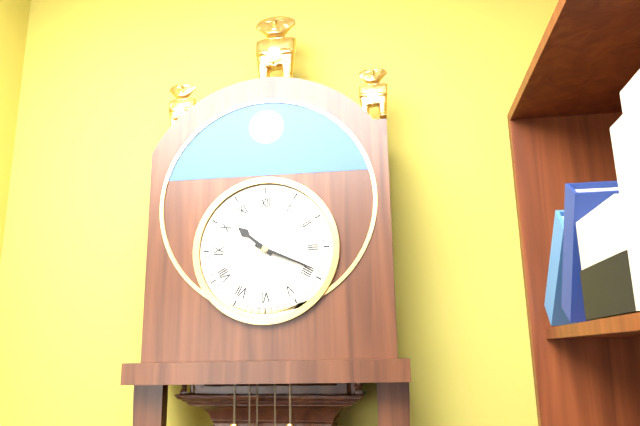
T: 10.19
